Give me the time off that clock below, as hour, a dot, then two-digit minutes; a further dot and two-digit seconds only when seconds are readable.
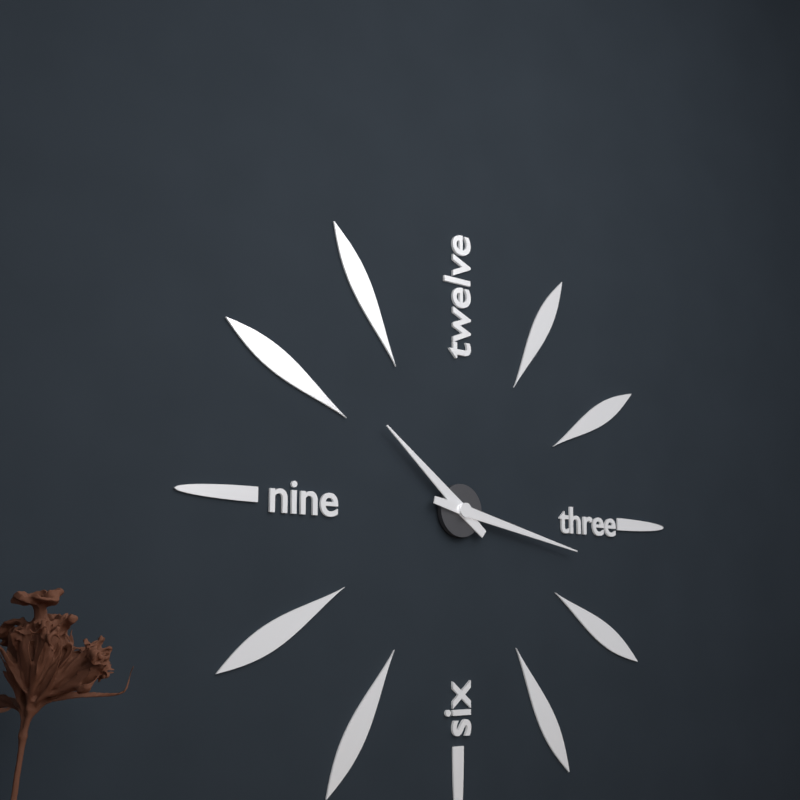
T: 10.17
